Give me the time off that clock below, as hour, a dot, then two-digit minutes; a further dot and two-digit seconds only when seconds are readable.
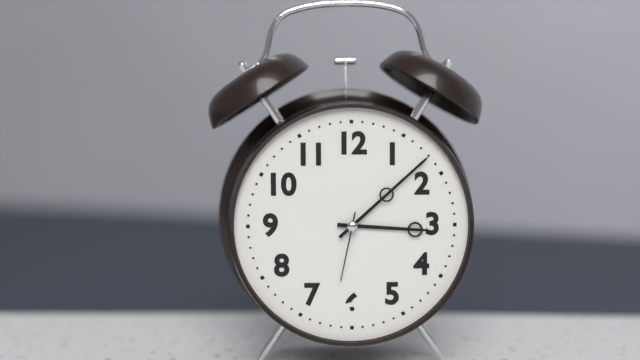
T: 3.08.32
